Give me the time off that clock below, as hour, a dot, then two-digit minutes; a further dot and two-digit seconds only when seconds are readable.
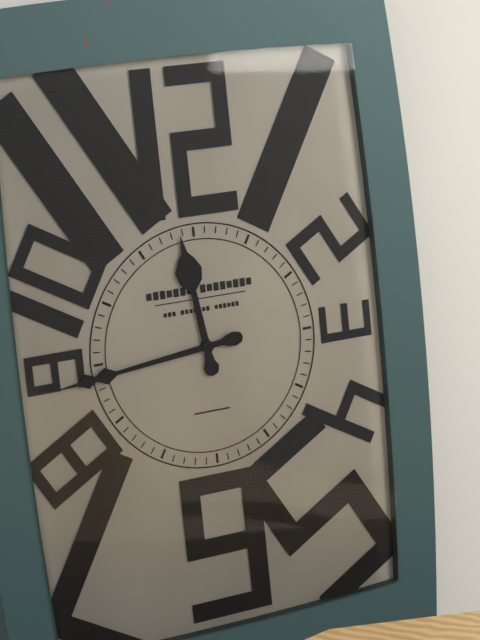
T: 11.44
